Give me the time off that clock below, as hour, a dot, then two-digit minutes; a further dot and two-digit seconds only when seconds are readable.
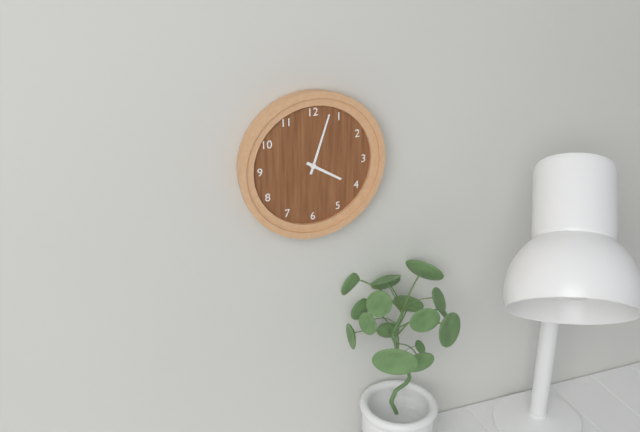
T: 4.03
